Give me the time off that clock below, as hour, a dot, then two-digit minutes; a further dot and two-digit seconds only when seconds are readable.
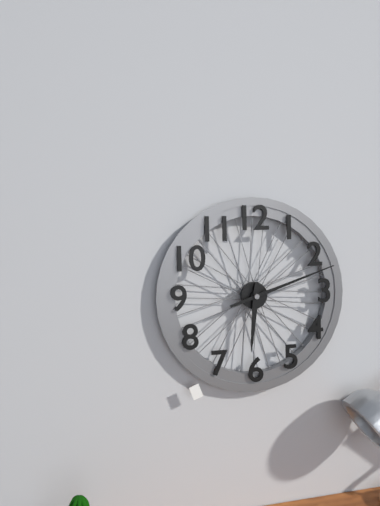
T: 6.12
